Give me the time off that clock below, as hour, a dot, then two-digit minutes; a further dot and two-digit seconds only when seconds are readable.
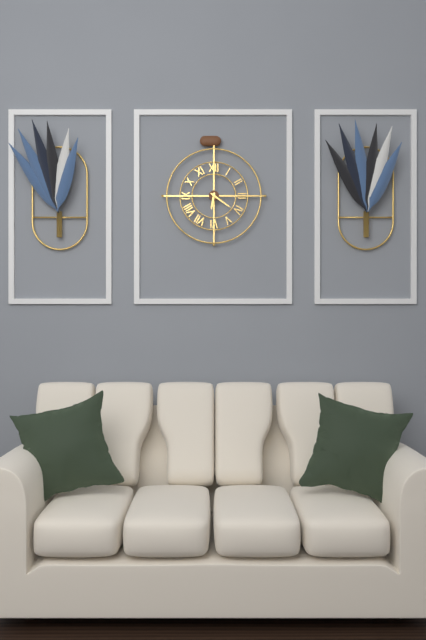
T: 6.21
